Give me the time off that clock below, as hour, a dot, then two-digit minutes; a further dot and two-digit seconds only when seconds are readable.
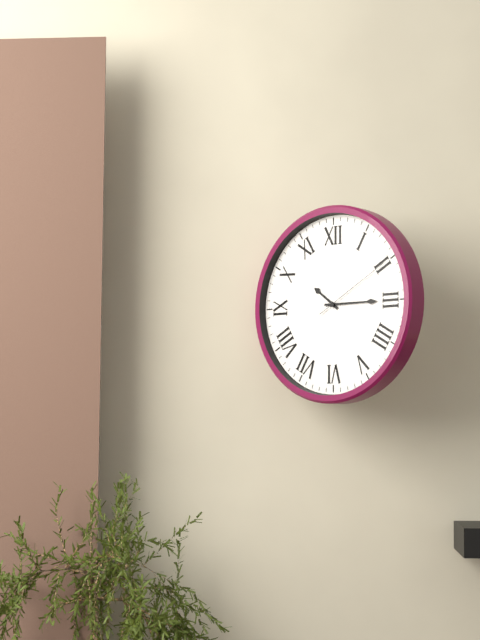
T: 10.15.10
